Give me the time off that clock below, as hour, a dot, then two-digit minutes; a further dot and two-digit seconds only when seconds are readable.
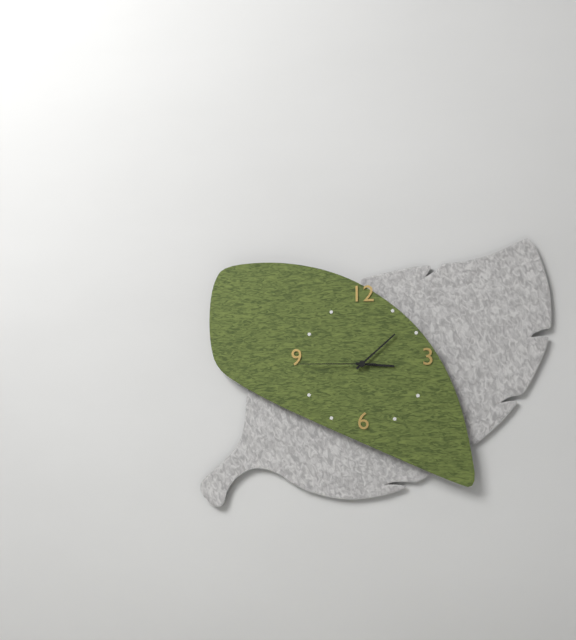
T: 3.08.45
